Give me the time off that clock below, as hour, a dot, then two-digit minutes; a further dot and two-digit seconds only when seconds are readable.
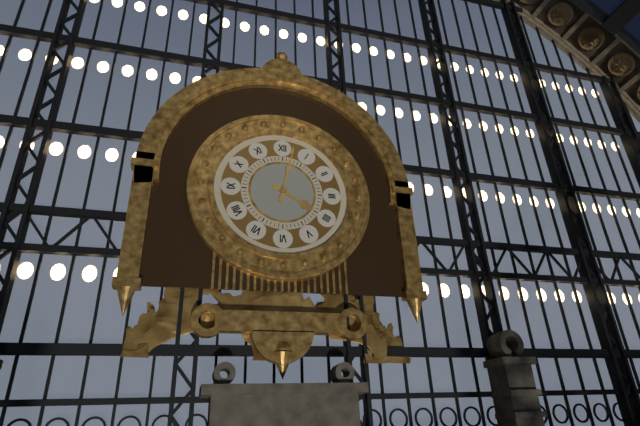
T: 4.02
